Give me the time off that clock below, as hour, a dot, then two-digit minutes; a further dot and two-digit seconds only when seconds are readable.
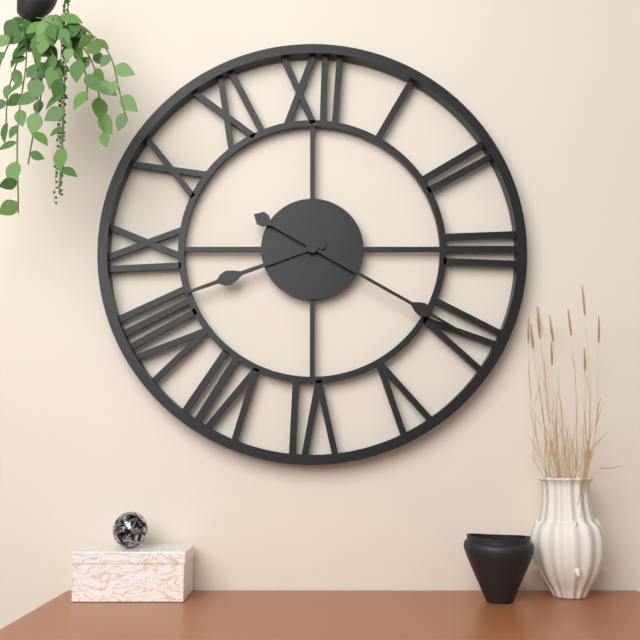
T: 8.20
